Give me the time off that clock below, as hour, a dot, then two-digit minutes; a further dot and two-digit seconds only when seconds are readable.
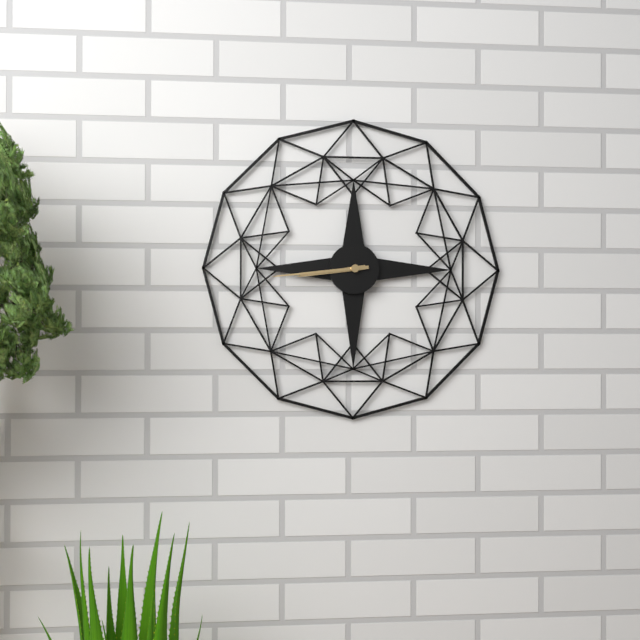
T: 8.44
